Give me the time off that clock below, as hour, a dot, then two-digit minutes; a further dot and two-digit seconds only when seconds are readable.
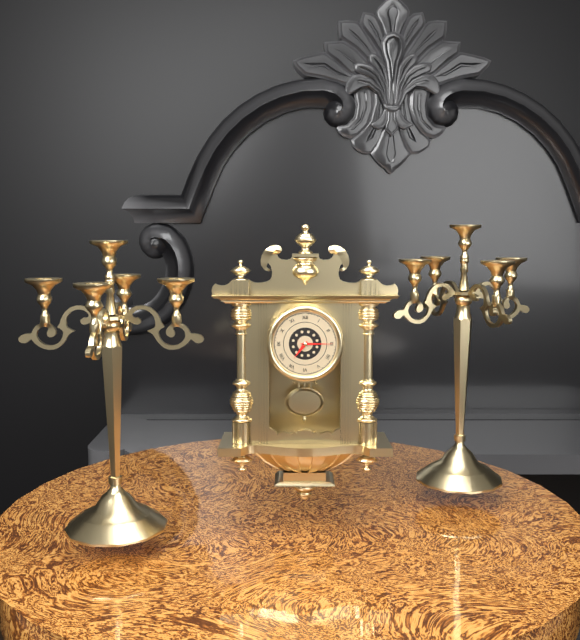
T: 7.15
